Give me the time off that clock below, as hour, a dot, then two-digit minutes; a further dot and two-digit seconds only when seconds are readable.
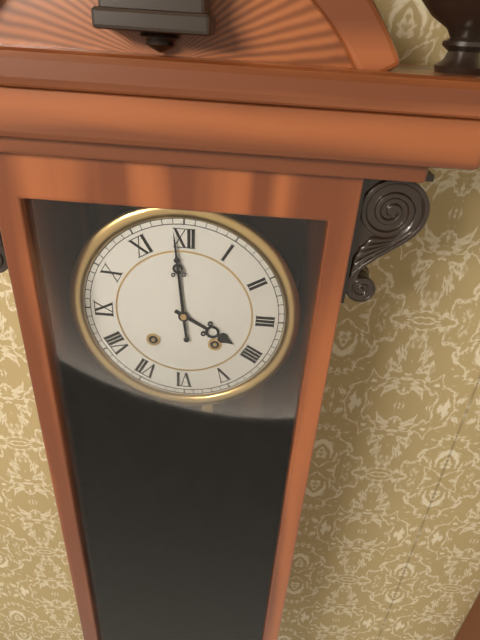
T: 3.59
